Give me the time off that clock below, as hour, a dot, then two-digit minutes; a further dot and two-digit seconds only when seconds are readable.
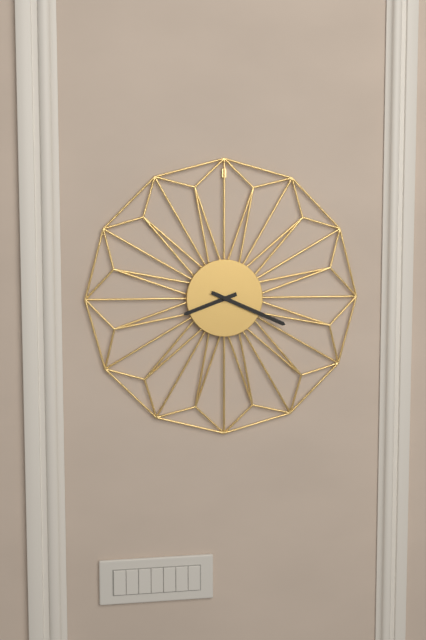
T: 8.19
